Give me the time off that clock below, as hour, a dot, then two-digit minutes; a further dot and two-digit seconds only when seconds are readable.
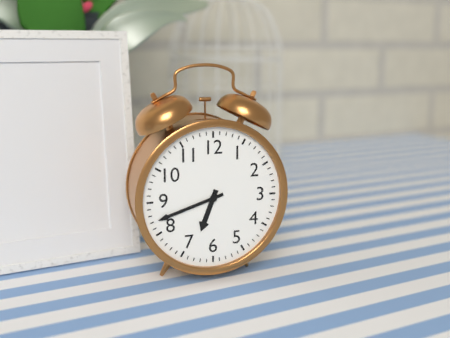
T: 6.42
